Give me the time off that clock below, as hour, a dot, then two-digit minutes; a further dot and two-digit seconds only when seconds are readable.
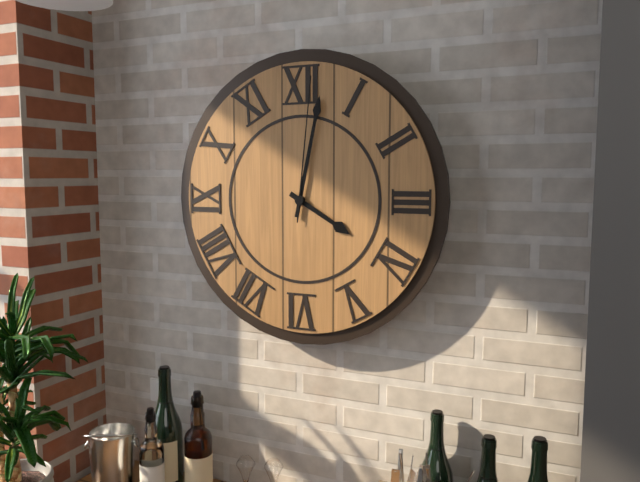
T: 4.02.01
